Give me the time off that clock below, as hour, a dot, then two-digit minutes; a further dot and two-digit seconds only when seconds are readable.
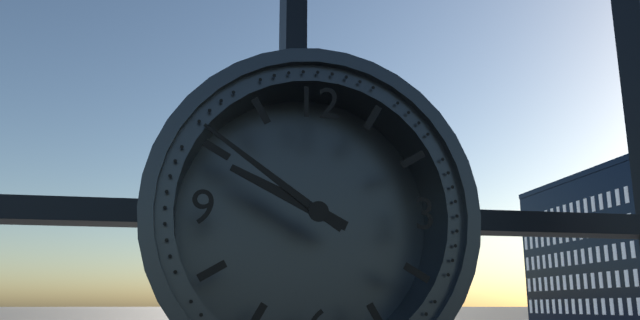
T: 9.51
